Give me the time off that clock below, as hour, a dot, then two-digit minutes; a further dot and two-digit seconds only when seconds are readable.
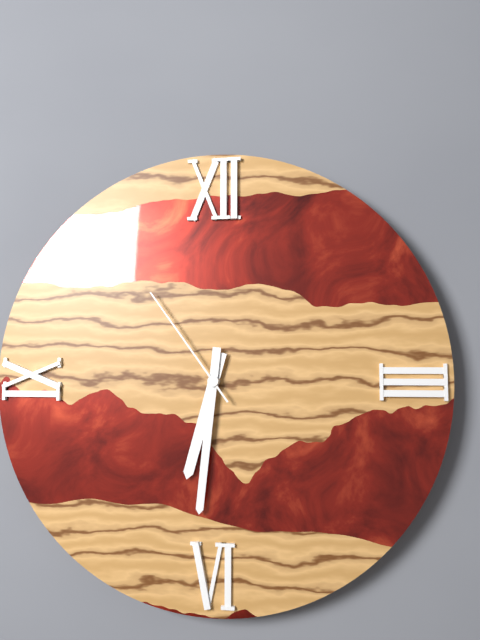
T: 6.31.54
